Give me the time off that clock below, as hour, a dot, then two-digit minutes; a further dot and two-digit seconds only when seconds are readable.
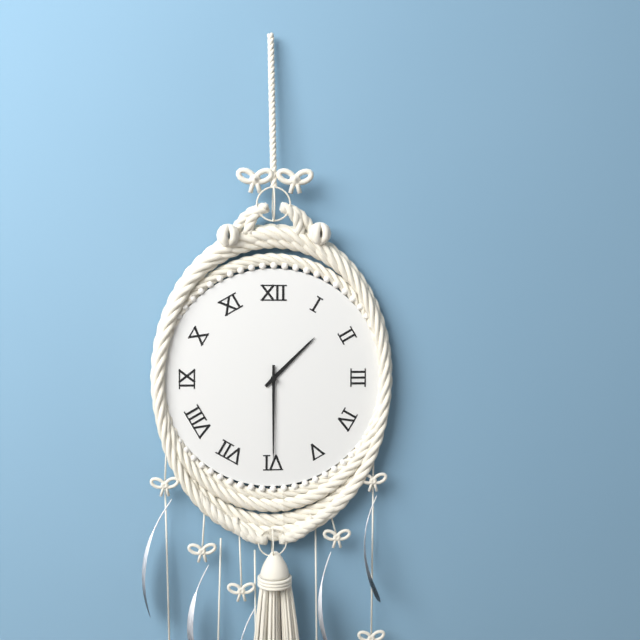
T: 1.30
